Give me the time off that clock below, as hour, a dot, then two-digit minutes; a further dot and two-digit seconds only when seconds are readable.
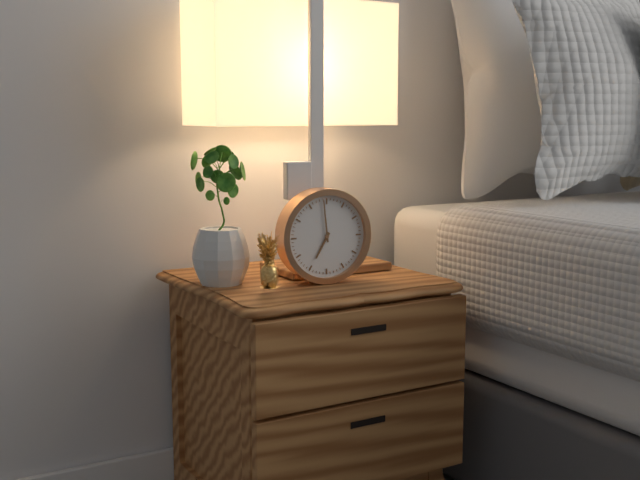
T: 6.59
